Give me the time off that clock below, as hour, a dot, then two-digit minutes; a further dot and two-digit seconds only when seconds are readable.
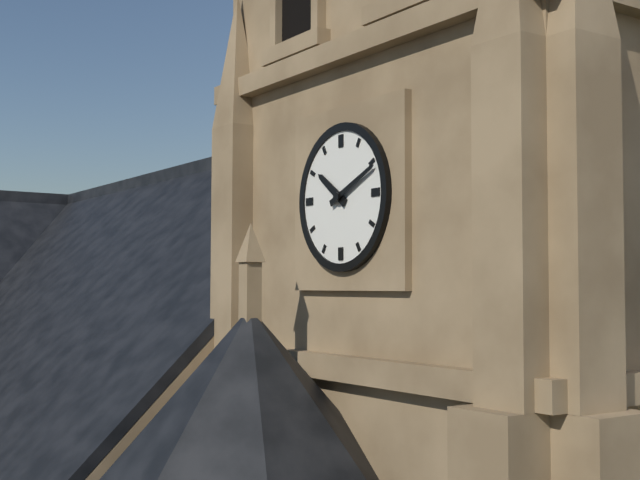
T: 10.11
